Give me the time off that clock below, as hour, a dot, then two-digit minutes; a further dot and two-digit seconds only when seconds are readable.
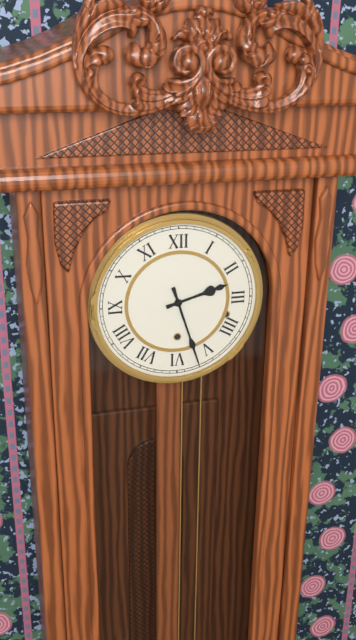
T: 2.27
